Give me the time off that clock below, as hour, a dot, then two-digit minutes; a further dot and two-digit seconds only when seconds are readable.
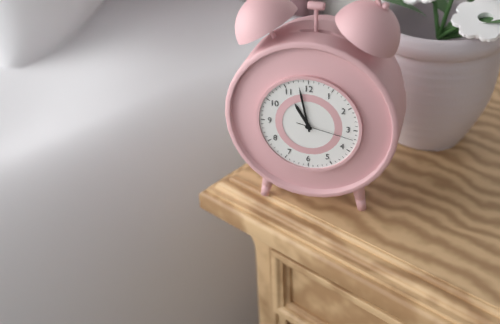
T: 10.58.17
